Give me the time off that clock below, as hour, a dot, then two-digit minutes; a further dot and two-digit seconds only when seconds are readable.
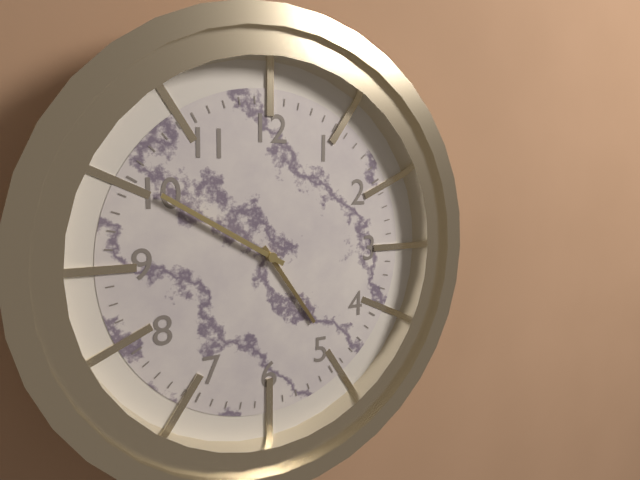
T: 4.50
